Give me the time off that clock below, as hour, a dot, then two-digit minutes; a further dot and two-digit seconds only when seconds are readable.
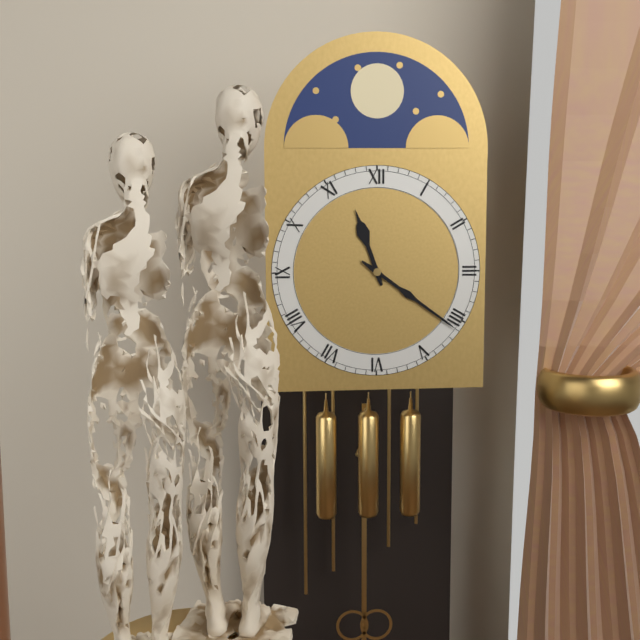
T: 11.21
